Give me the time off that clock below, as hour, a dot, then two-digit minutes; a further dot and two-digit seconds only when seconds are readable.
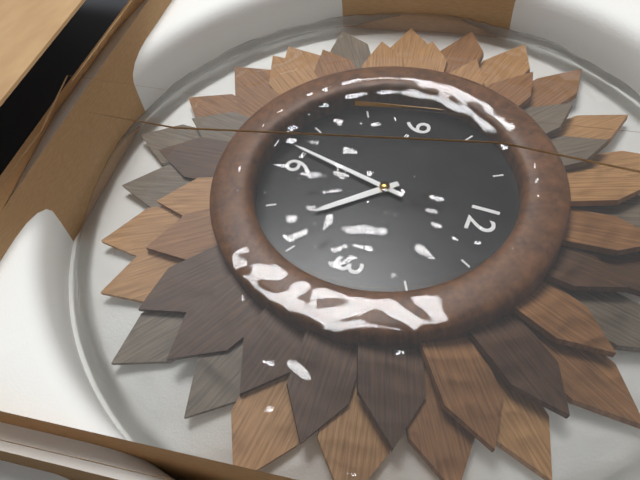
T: 4.32
